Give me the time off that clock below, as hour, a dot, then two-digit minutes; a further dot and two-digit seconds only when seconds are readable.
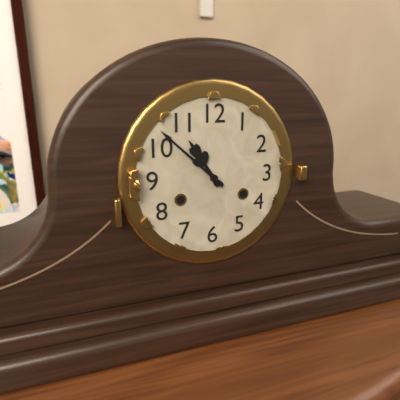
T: 10.52
